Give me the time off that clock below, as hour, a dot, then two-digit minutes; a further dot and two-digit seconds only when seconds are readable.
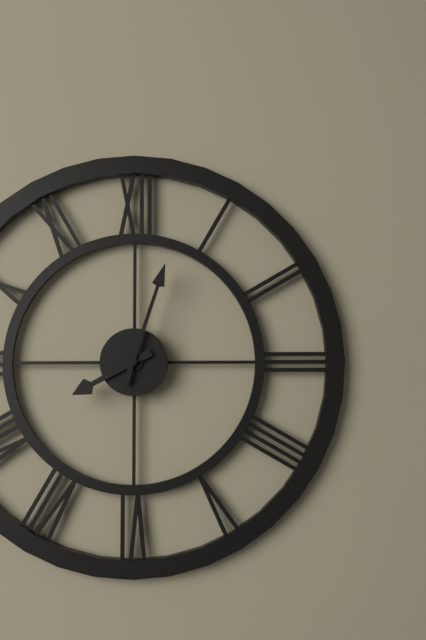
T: 8.03
